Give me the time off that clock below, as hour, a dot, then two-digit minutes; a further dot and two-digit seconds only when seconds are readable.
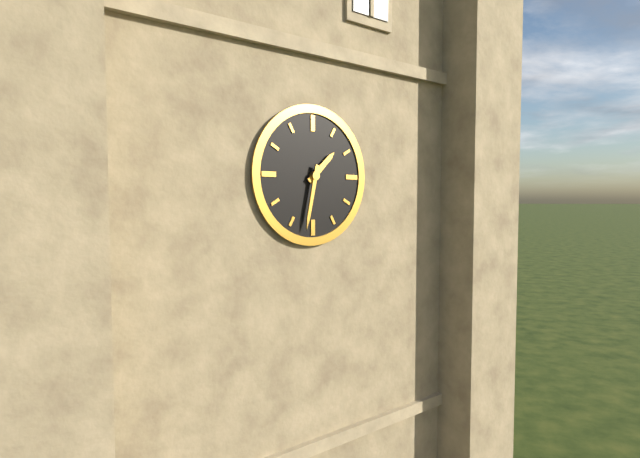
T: 1.32
